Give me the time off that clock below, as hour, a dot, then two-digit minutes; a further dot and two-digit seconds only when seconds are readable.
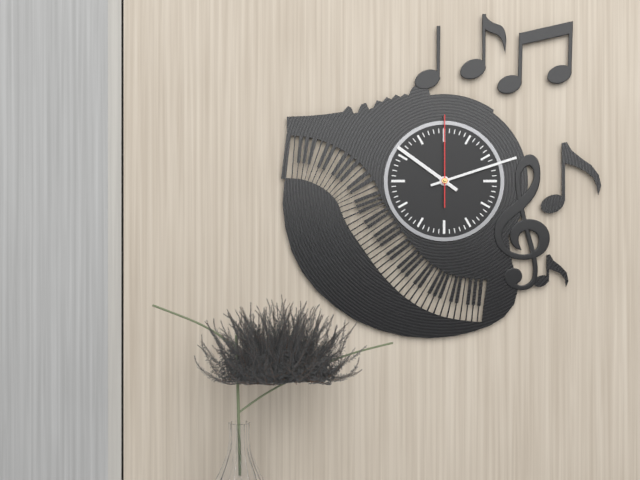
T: 10.12.00
